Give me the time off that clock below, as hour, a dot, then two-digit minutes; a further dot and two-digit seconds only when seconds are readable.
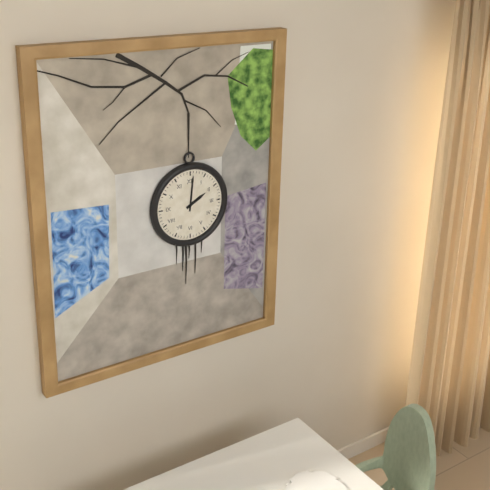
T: 2.01
